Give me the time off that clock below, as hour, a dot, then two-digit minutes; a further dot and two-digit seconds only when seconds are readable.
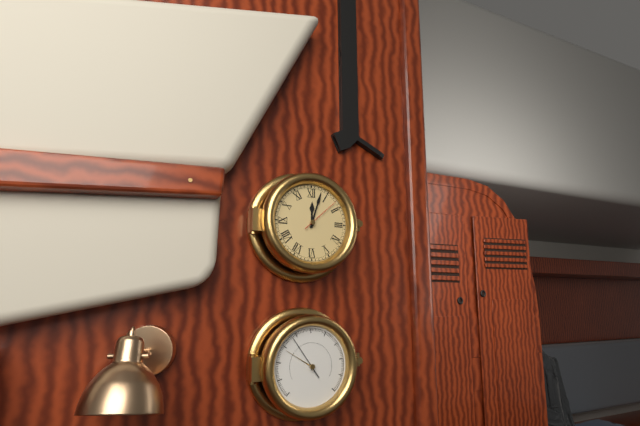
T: 12.03.08
